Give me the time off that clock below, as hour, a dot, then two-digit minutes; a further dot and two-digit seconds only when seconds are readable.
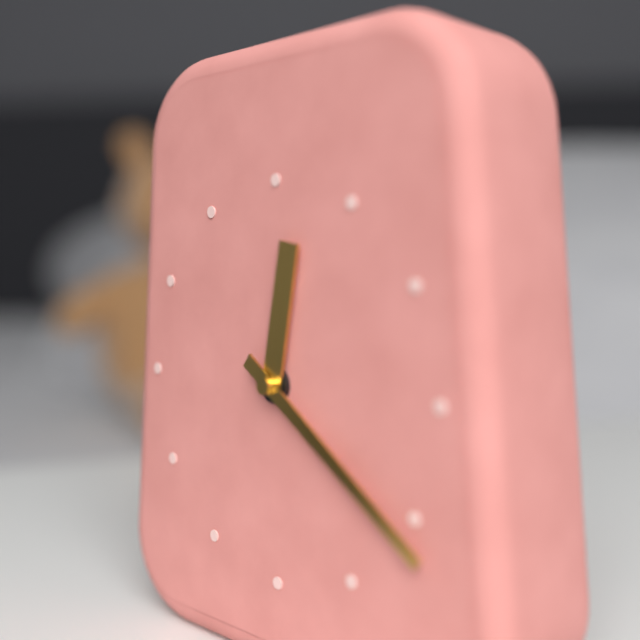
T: 12.21
